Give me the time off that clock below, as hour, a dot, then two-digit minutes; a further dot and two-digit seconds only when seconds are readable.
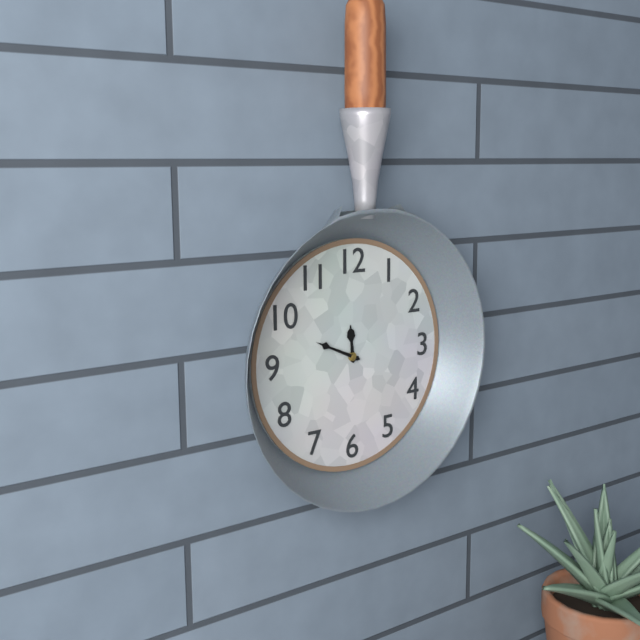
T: 11.49
